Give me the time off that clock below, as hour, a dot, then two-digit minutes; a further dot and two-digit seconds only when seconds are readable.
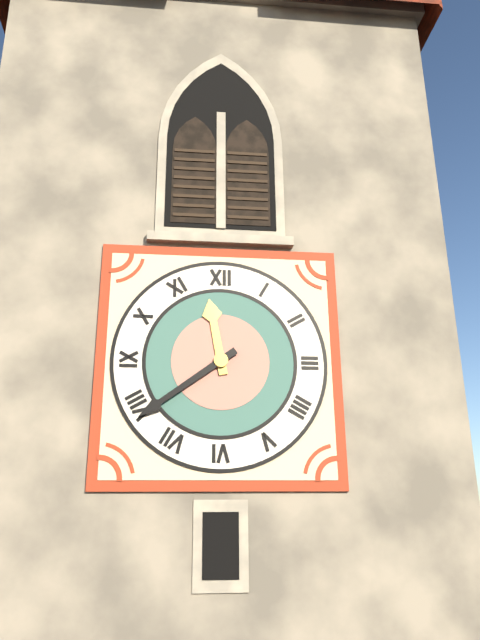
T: 11.39
